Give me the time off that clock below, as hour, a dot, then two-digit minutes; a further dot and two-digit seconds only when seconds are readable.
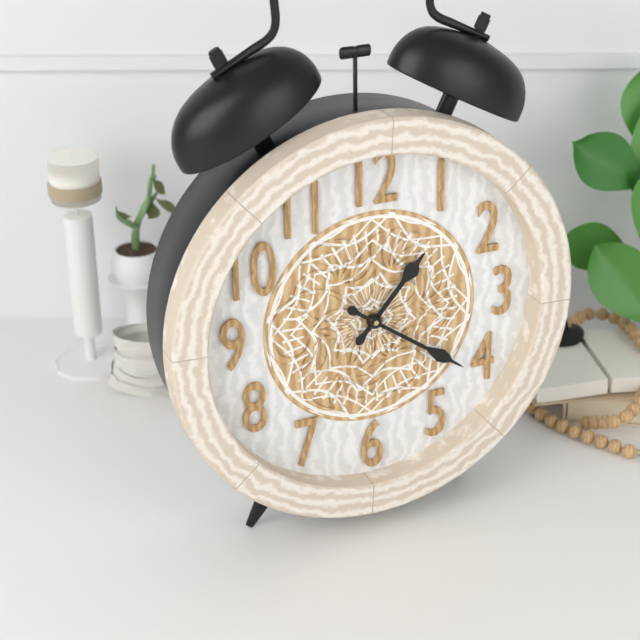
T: 1.21
